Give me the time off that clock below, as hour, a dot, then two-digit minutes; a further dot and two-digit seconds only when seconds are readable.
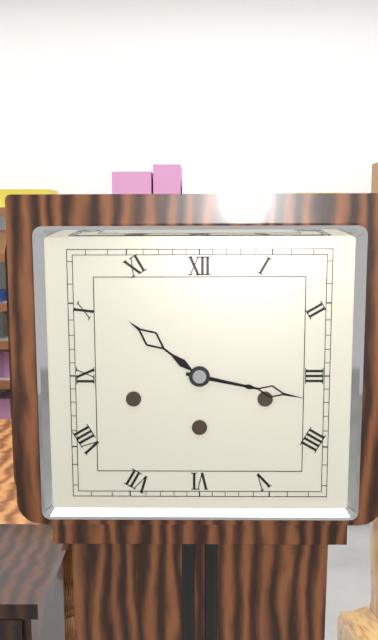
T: 10.17
